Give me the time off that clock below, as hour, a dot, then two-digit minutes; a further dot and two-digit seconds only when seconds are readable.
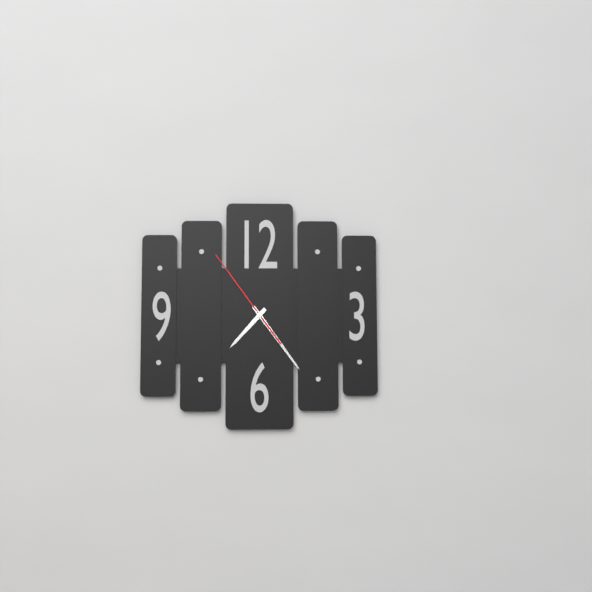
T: 7.24.54
